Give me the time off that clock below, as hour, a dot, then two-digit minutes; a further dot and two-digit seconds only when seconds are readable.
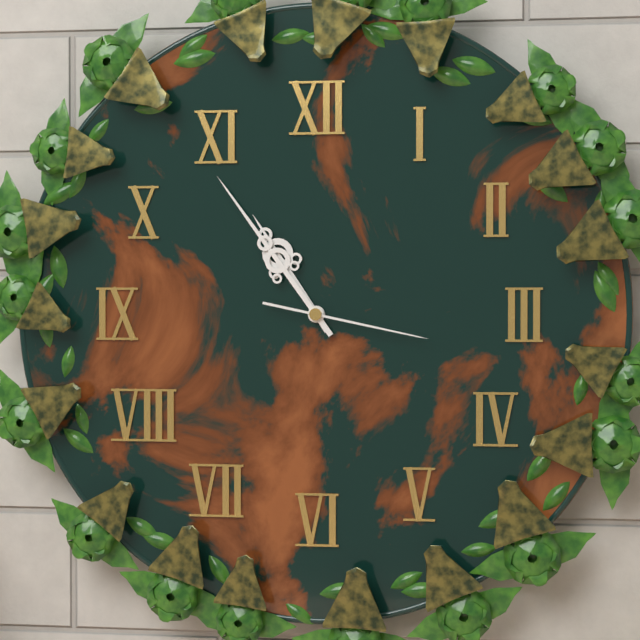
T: 10.54.17
